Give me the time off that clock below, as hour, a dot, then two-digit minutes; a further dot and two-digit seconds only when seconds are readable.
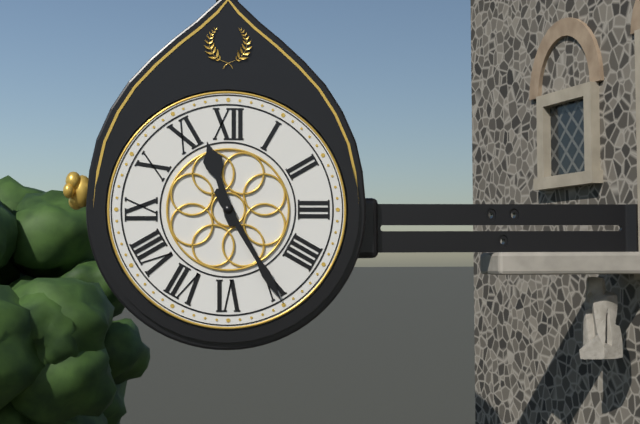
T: 11.25
